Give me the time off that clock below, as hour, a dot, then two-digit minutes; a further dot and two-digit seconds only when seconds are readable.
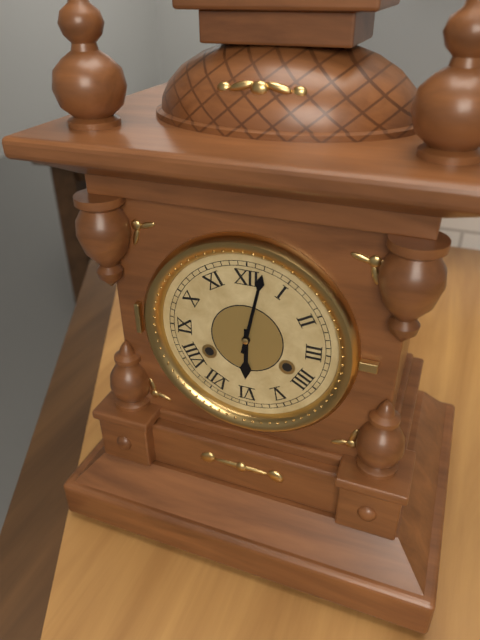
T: 6.02
